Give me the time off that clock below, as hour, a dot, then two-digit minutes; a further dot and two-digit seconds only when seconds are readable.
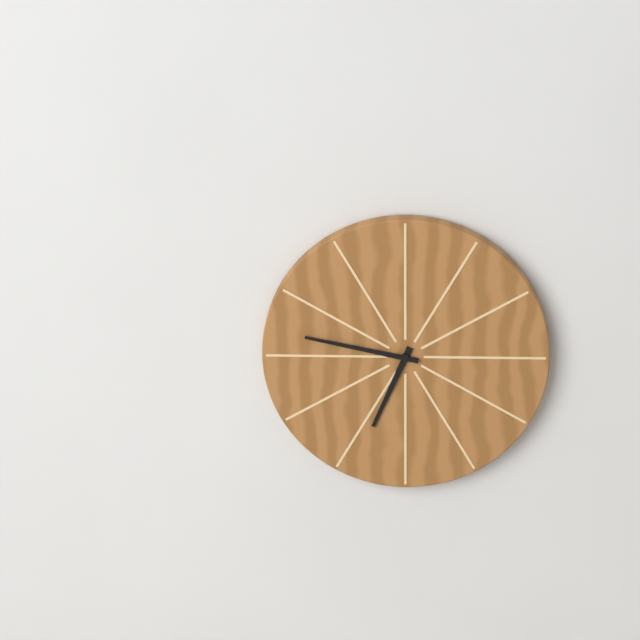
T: 6.47
